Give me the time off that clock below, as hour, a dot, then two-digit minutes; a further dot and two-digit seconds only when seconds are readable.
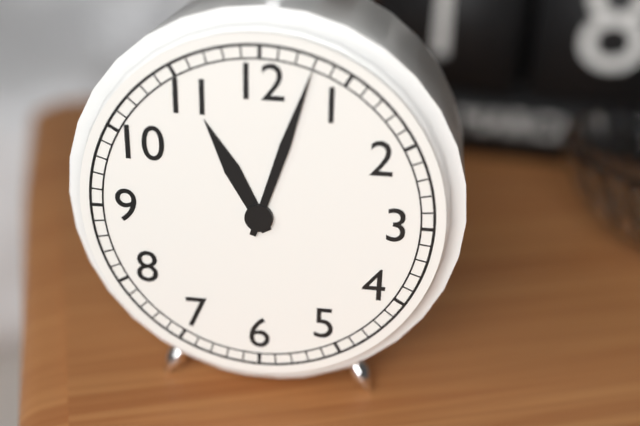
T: 11.03
